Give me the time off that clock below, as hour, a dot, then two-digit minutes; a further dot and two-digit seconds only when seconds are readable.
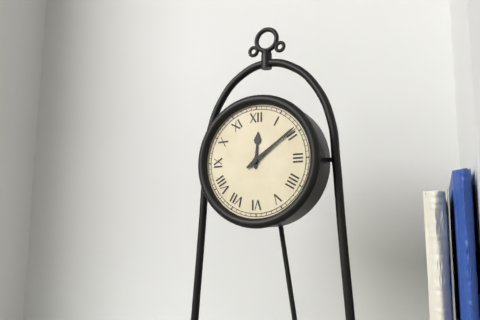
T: 12.09
